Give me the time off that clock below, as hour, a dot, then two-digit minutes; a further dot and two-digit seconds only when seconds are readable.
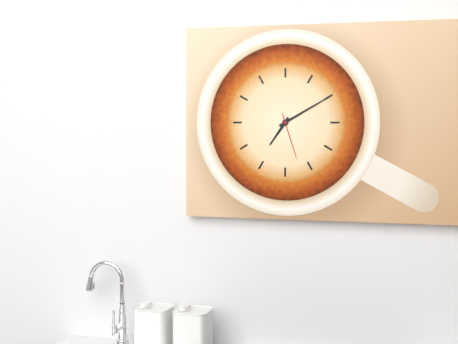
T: 7.10
